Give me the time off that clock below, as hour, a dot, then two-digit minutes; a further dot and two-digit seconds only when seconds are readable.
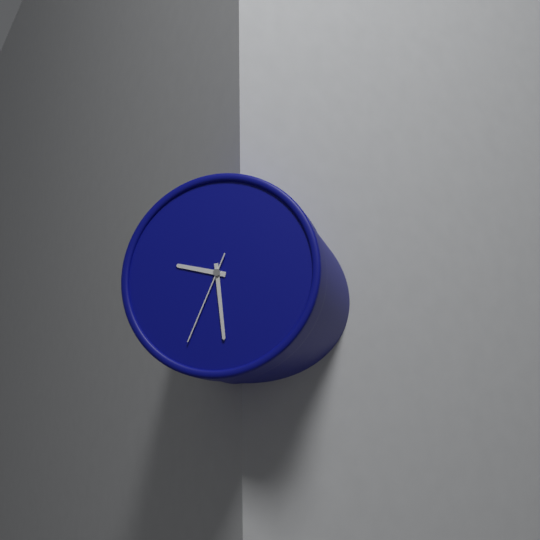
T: 9.29.34
